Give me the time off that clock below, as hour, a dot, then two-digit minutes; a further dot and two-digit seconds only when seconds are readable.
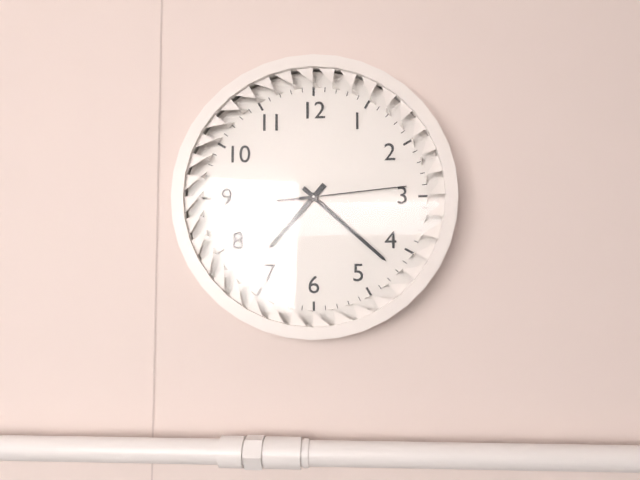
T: 7.22.14
